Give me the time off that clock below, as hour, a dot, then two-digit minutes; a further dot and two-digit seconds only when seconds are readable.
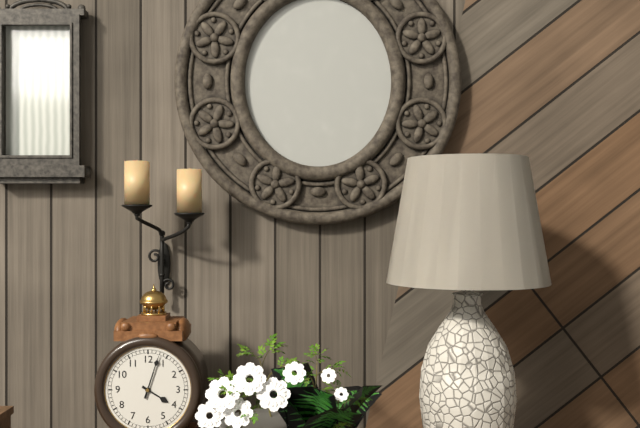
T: 4.03
